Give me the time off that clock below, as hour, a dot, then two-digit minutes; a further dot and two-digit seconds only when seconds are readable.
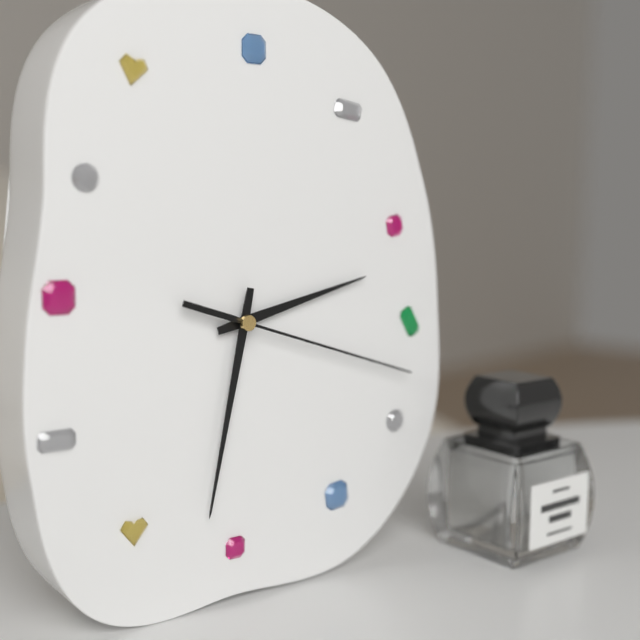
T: 2.32.18
